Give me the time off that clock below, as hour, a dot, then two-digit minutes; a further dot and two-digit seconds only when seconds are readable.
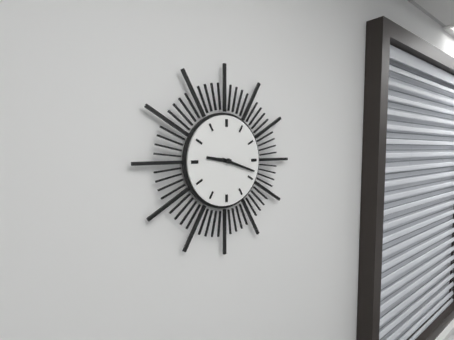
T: 9.18
